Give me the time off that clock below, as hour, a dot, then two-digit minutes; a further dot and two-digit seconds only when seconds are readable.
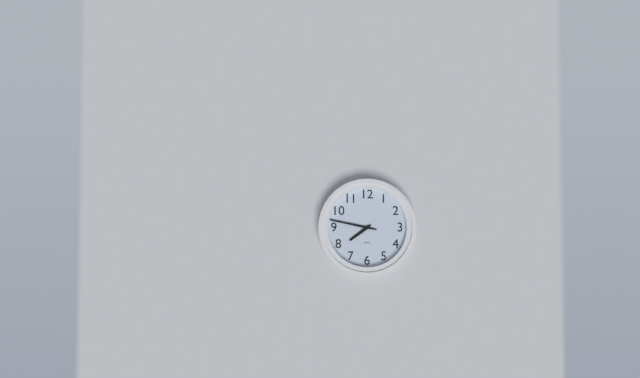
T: 7.47
